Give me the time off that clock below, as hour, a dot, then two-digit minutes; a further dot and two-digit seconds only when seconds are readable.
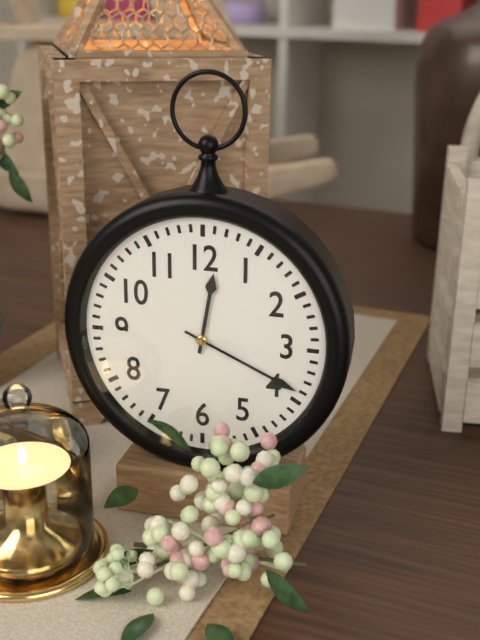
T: 12.19
